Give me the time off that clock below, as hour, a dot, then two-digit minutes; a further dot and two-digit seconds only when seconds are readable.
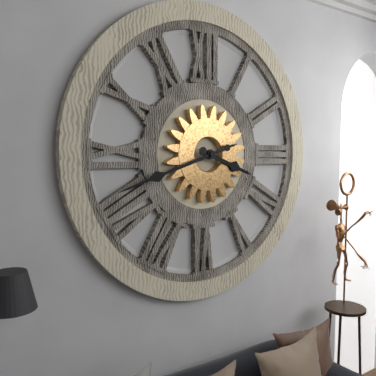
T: 3.42
